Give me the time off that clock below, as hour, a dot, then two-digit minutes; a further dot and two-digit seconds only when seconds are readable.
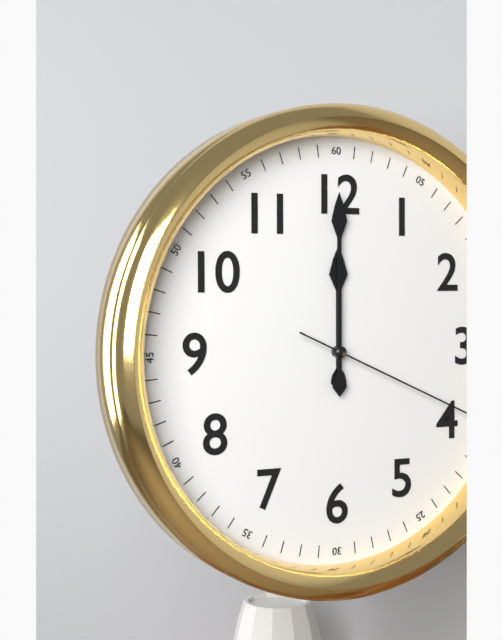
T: 12.00.19
